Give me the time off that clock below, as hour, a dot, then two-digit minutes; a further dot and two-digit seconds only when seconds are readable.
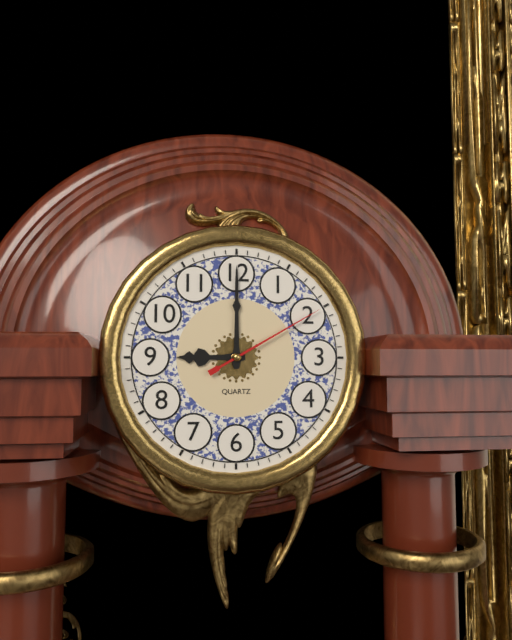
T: 9.00.10
